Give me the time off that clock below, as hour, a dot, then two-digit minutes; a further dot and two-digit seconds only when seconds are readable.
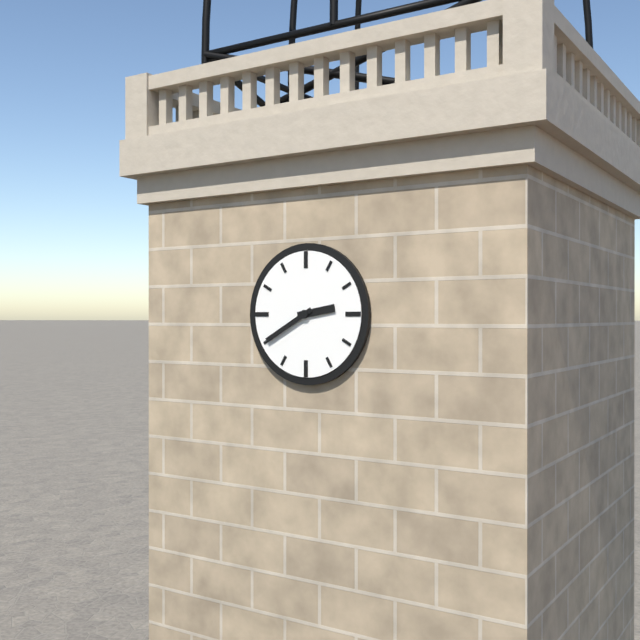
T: 2.40
